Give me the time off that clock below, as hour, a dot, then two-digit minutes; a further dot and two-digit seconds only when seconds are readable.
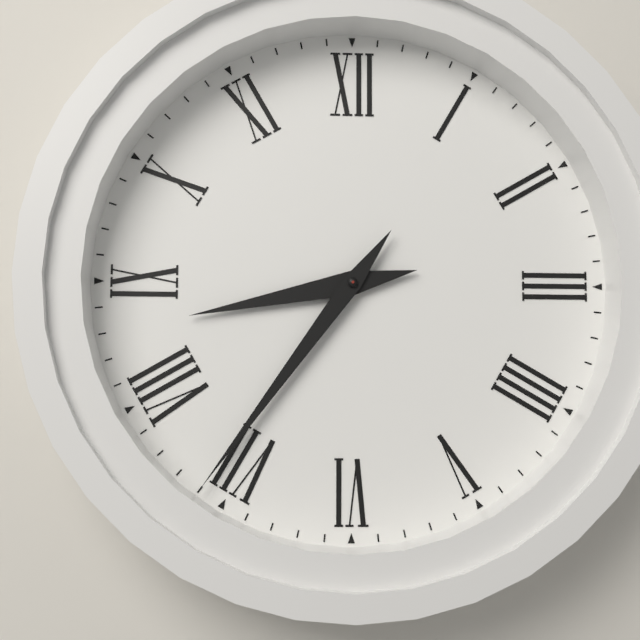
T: 8.36
